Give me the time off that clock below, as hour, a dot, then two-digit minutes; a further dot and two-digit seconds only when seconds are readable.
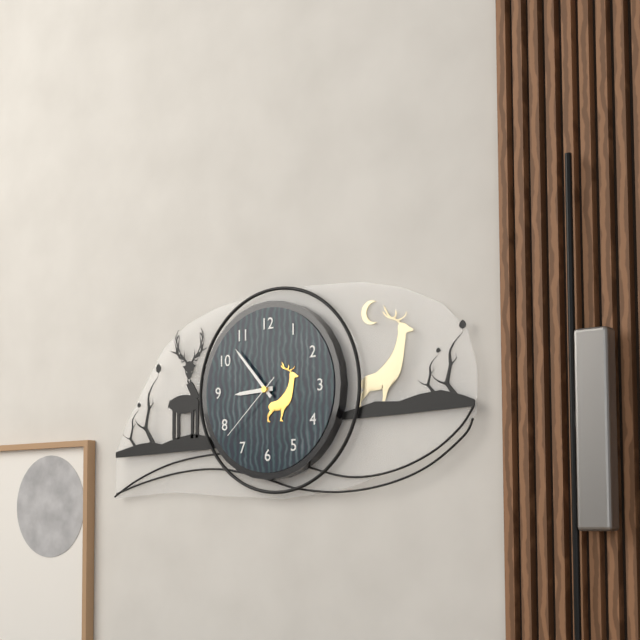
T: 8.53.38
